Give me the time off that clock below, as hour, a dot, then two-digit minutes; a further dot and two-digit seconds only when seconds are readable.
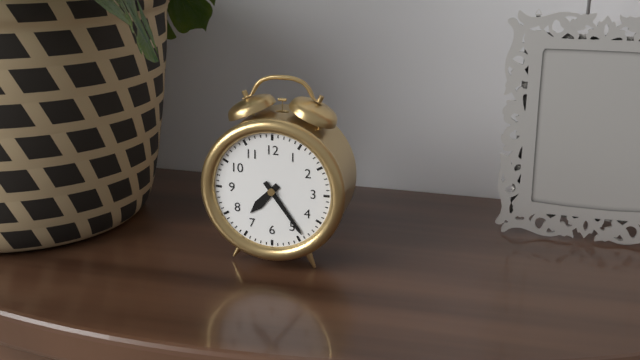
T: 7.24
